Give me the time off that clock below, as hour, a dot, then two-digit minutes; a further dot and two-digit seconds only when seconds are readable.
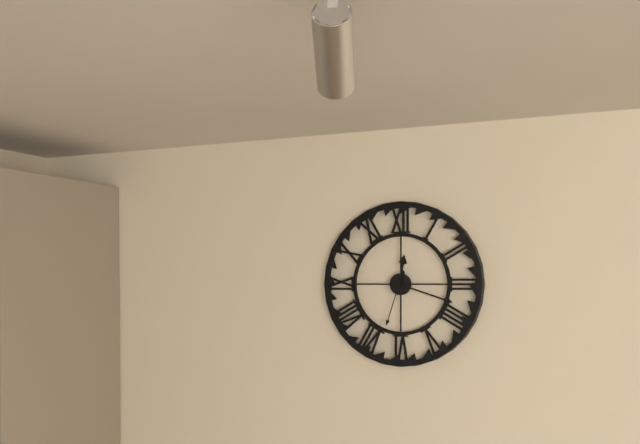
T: 12.18.33
